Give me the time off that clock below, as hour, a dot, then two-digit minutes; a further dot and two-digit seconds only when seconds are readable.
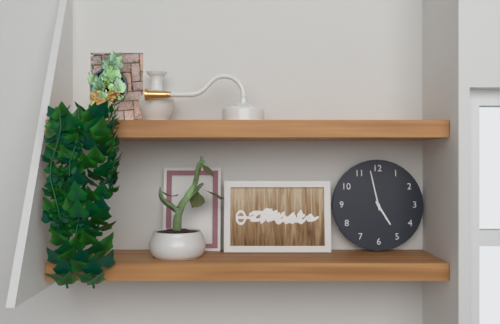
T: 4.58
